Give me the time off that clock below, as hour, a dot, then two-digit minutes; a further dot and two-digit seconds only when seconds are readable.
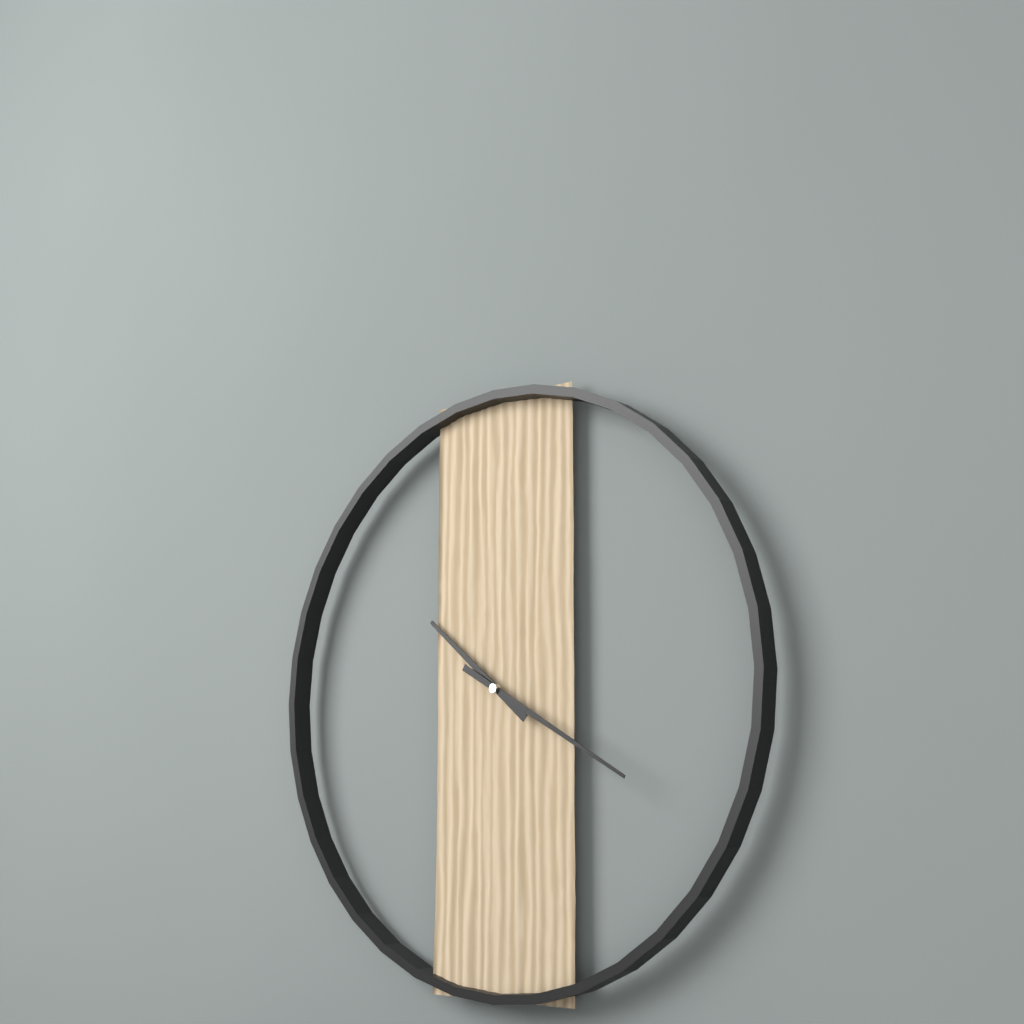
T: 10.20
